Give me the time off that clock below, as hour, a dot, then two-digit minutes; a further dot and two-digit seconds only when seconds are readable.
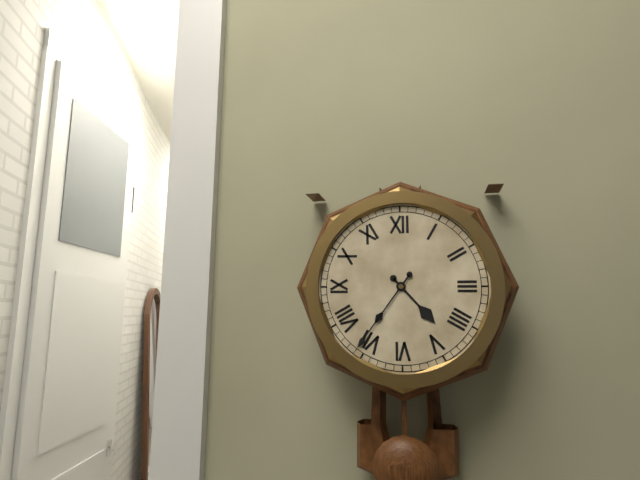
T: 4.36
